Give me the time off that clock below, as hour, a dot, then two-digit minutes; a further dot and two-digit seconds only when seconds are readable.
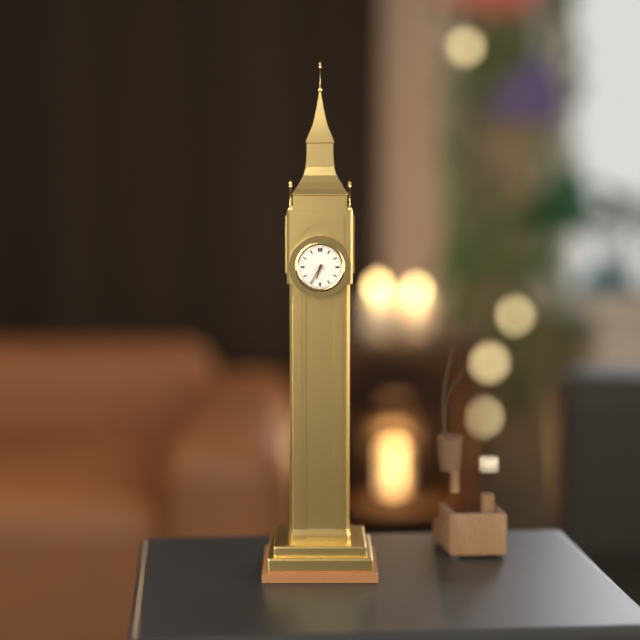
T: 6.35
